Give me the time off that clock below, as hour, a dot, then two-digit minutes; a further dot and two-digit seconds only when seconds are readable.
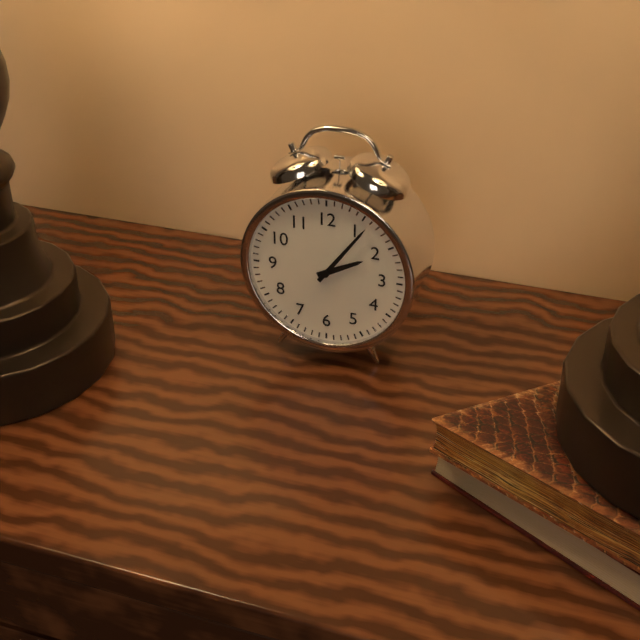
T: 2.06
